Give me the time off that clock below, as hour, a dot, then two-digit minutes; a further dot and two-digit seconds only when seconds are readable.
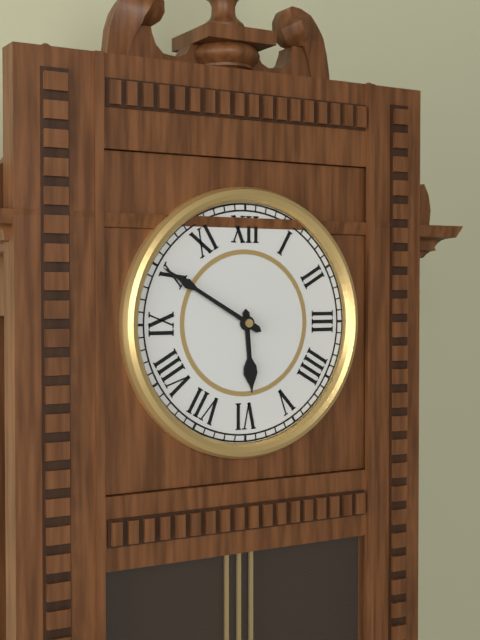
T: 5.50
